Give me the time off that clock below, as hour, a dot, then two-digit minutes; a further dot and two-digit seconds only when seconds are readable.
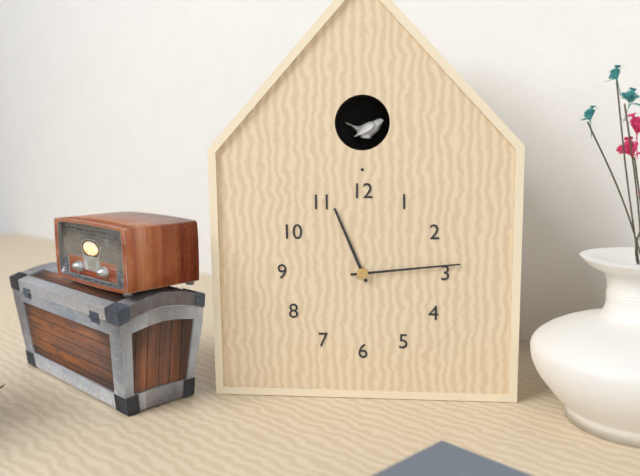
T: 11.14
